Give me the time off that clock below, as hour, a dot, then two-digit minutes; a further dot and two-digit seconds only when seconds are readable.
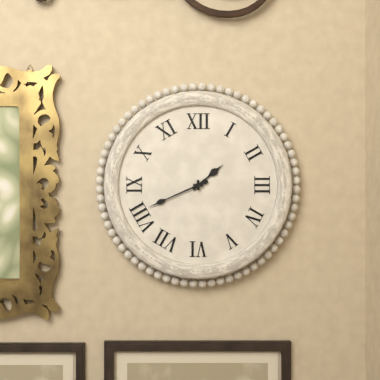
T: 1.41
